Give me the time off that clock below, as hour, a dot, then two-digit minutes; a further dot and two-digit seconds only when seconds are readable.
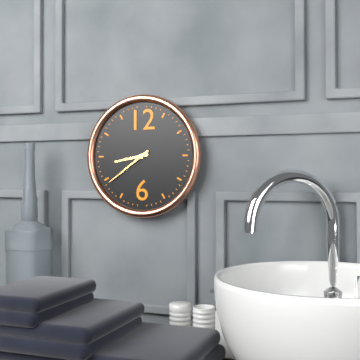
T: 8.39
